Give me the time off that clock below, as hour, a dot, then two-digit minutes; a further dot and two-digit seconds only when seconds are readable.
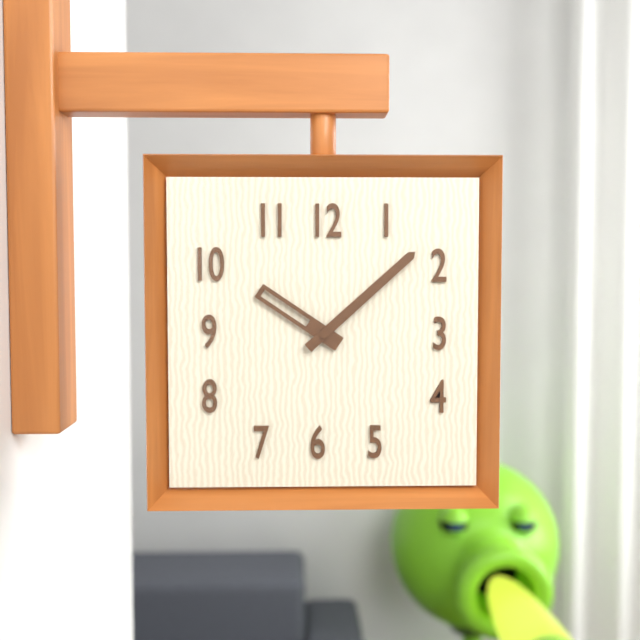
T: 10.08
